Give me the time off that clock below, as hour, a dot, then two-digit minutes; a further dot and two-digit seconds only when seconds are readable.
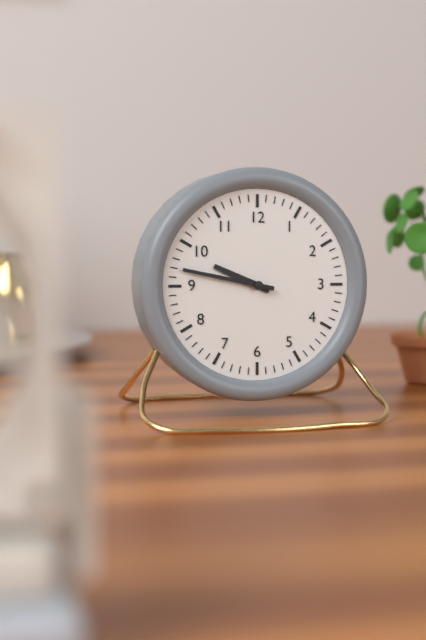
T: 9.47
